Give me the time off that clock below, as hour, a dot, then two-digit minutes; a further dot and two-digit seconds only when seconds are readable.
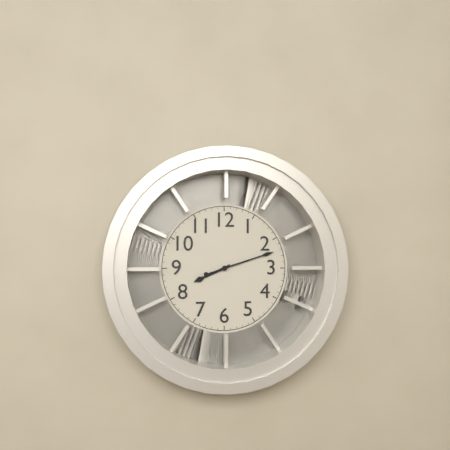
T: 8.12
